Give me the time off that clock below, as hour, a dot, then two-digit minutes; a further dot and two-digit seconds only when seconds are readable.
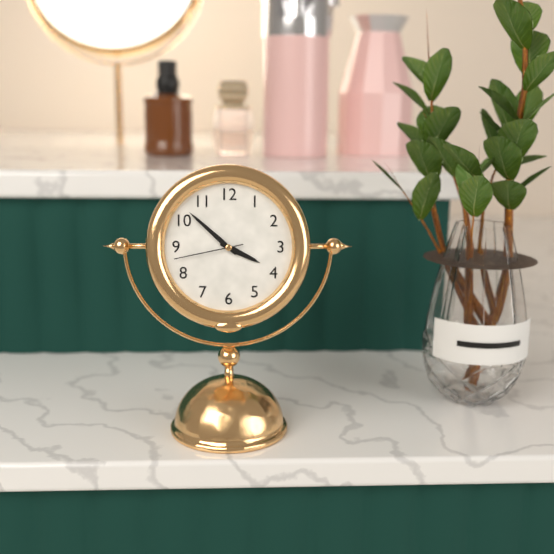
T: 3.52.43
